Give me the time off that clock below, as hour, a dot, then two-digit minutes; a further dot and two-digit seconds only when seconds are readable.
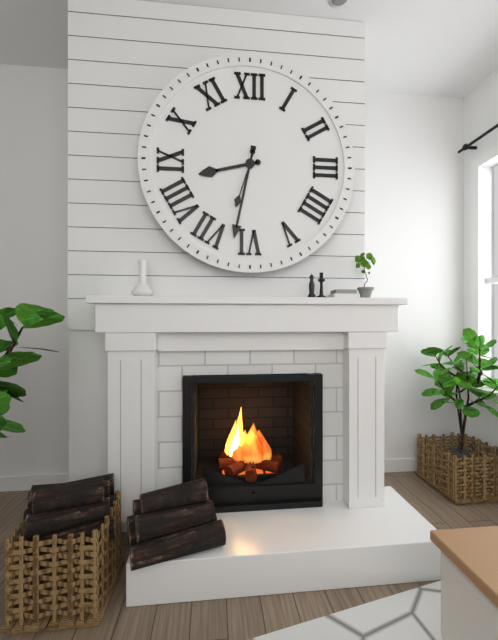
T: 8.32.33
